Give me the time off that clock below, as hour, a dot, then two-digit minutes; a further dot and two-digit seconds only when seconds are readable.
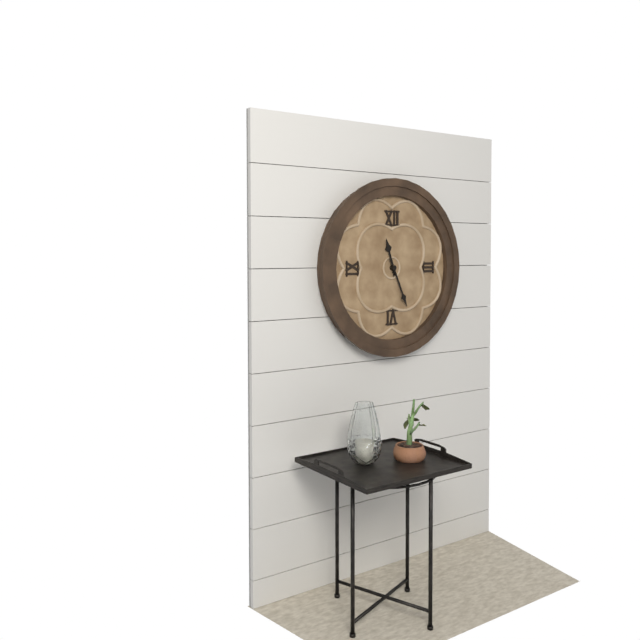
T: 11.26
